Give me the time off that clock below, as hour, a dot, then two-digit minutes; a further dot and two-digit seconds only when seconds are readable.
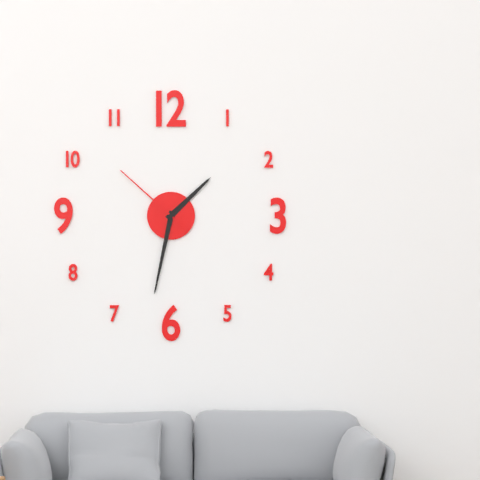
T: 1.32.52
